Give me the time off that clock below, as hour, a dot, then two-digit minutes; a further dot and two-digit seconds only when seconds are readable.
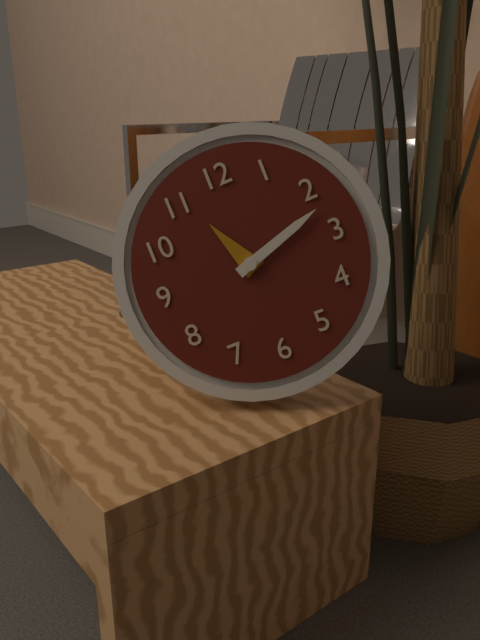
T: 11.12
